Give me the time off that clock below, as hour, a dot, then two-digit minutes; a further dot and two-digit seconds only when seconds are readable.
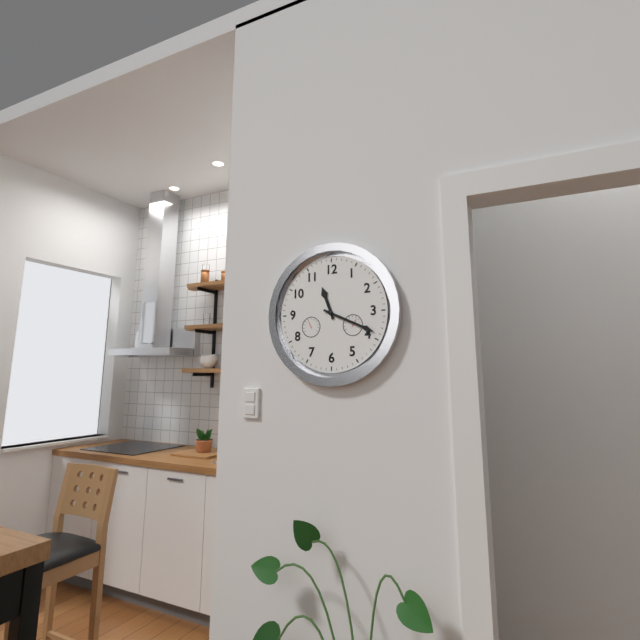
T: 11.19
